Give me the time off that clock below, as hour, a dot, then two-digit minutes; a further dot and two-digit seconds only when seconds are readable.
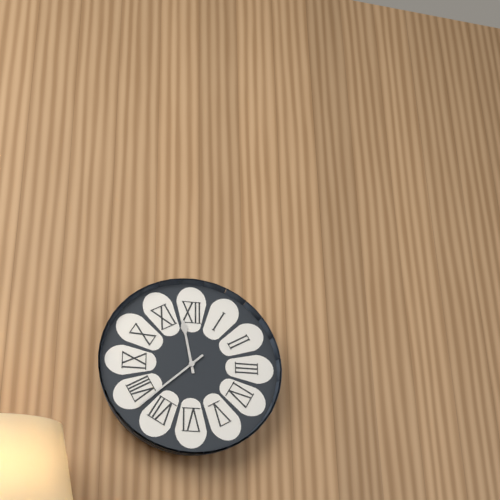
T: 11.38
